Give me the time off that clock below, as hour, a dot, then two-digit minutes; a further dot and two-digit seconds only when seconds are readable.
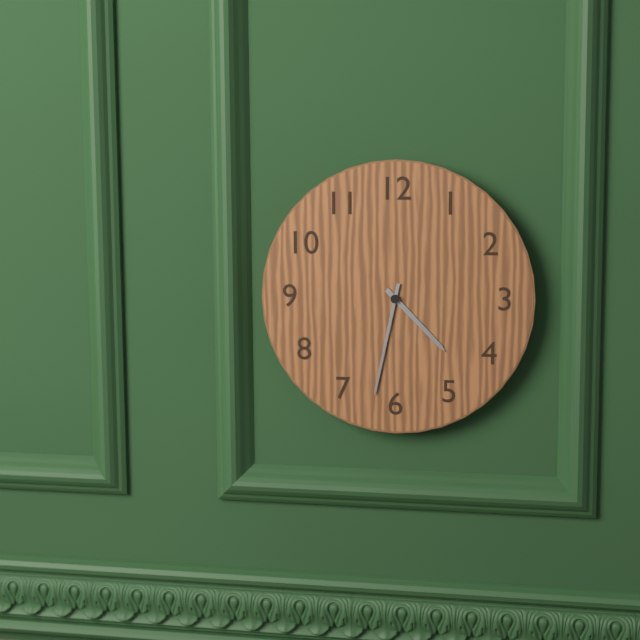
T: 4.32
